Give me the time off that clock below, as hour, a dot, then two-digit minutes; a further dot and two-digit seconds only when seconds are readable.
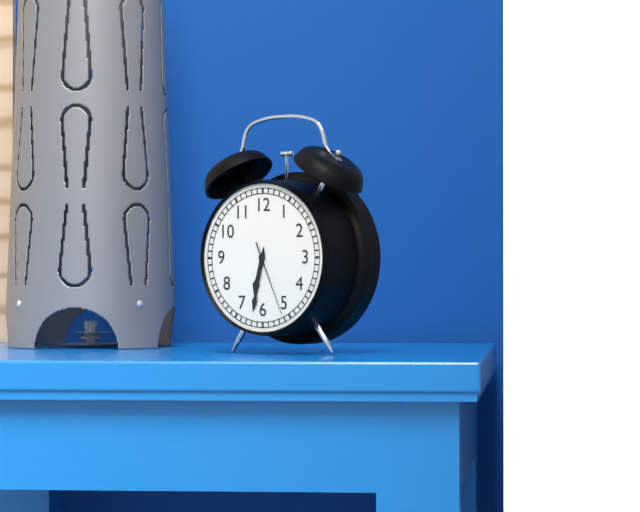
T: 6.32.26
